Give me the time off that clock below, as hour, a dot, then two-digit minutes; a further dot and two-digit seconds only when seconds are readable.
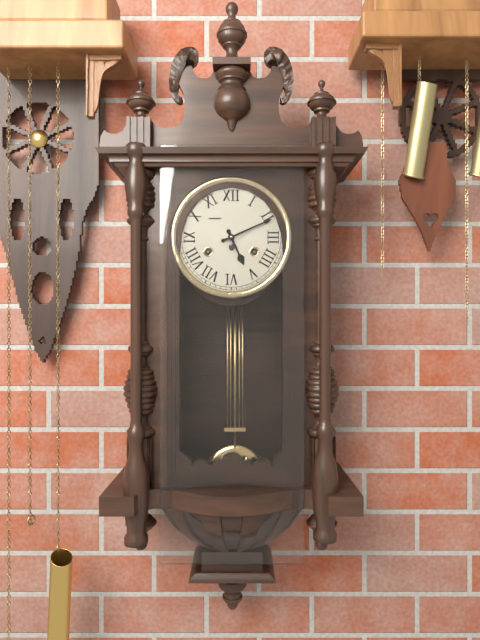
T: 5.11
